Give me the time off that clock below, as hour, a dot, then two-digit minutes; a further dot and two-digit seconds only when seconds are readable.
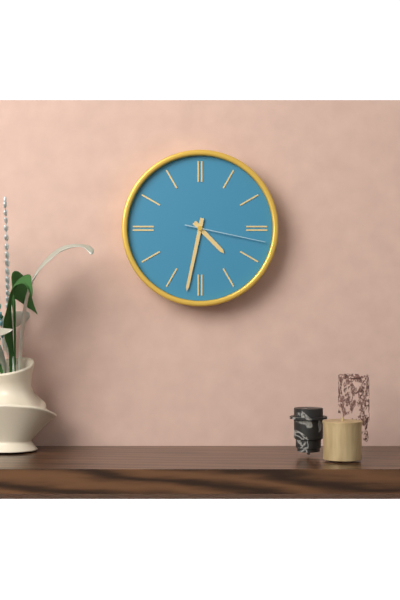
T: 4.32.17
